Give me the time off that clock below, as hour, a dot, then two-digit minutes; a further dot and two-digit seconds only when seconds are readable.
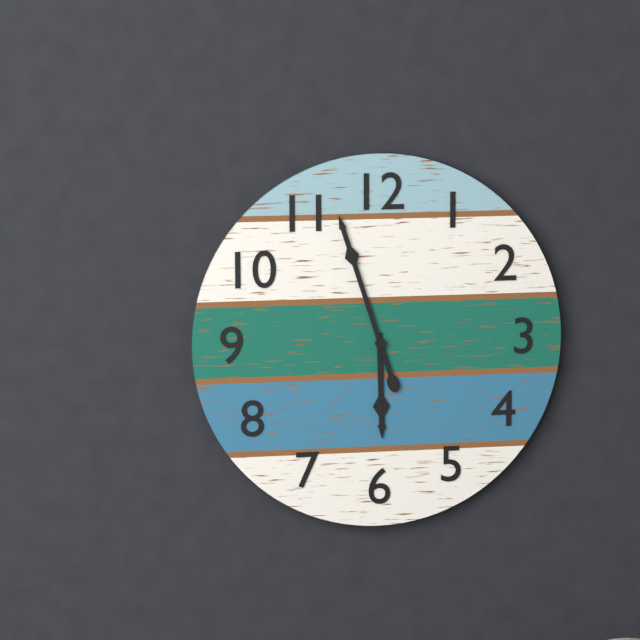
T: 5.57
